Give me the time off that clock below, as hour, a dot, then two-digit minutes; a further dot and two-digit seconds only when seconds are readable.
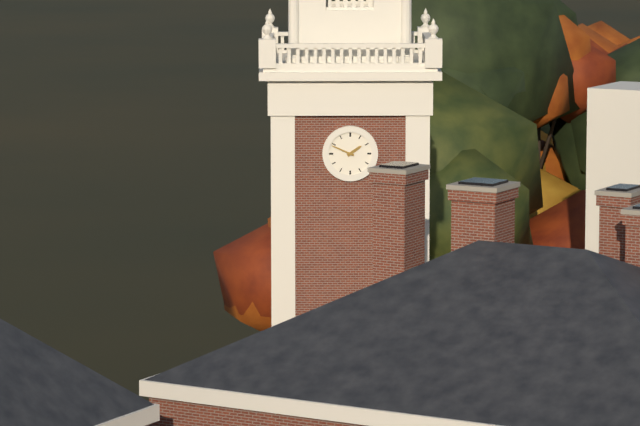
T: 1.49
